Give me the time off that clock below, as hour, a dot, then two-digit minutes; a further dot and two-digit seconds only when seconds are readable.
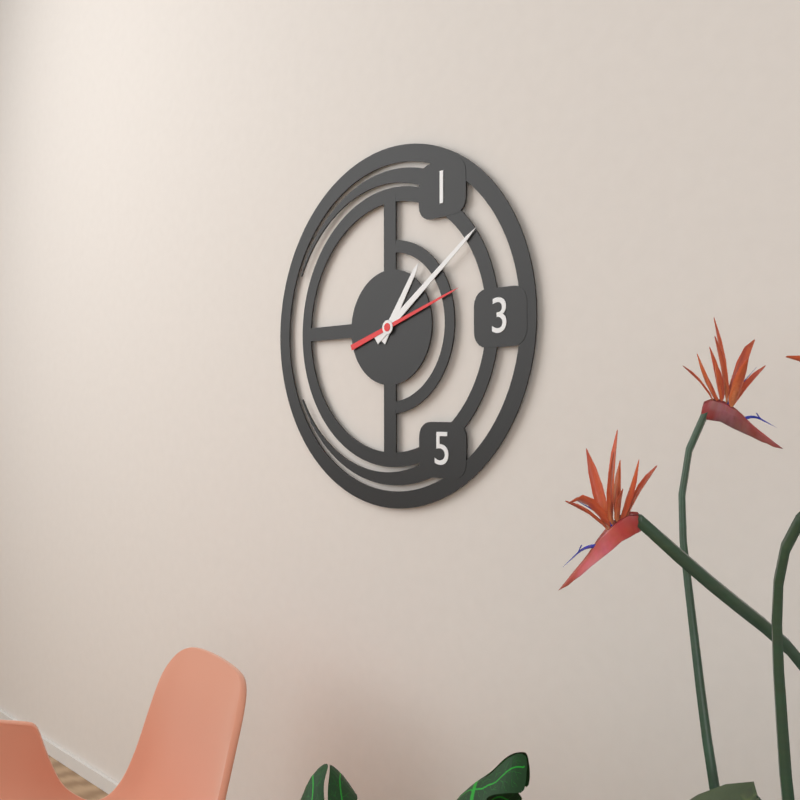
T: 1.09.12
